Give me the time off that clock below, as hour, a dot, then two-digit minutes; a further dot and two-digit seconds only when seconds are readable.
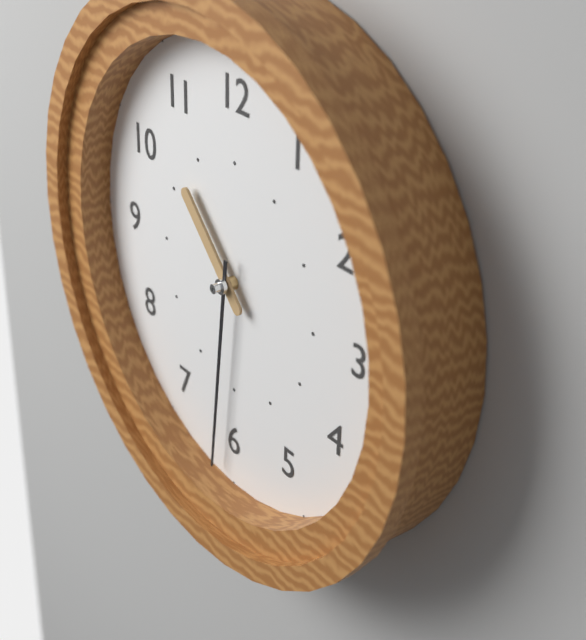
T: 10.31
